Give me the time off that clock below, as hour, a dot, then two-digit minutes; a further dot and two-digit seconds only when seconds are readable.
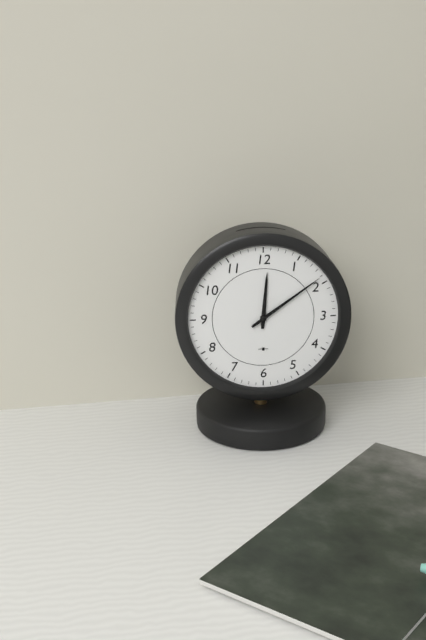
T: 12.09
